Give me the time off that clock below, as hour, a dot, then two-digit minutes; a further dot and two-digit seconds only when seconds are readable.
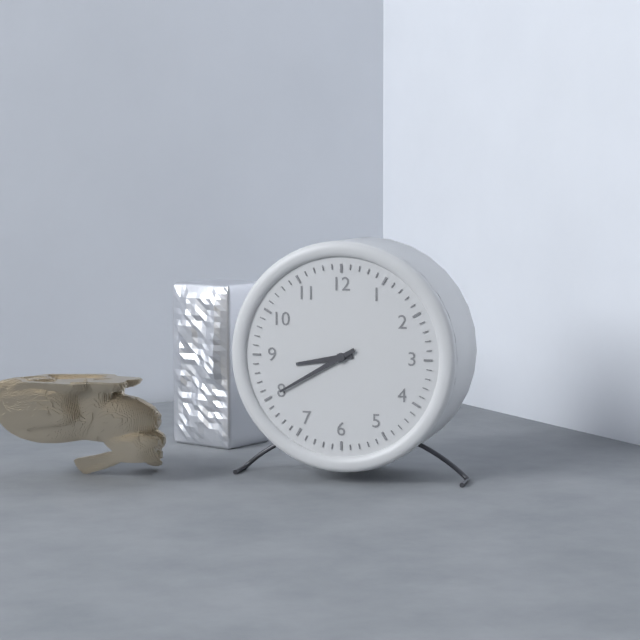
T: 8.40
